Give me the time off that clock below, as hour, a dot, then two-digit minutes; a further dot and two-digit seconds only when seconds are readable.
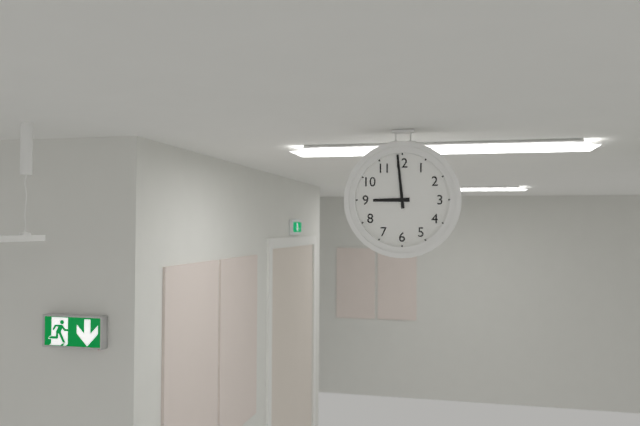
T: 8.59
